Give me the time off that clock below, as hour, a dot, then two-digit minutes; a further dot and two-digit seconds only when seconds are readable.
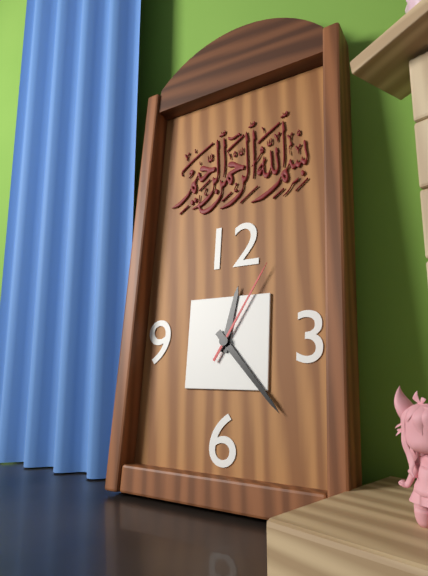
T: 12.23.05
